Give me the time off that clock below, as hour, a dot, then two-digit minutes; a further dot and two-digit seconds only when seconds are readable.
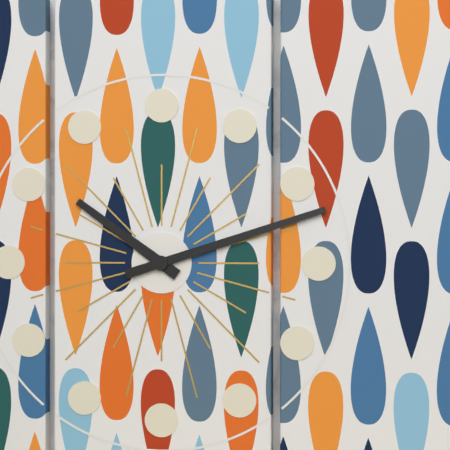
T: 10.12
